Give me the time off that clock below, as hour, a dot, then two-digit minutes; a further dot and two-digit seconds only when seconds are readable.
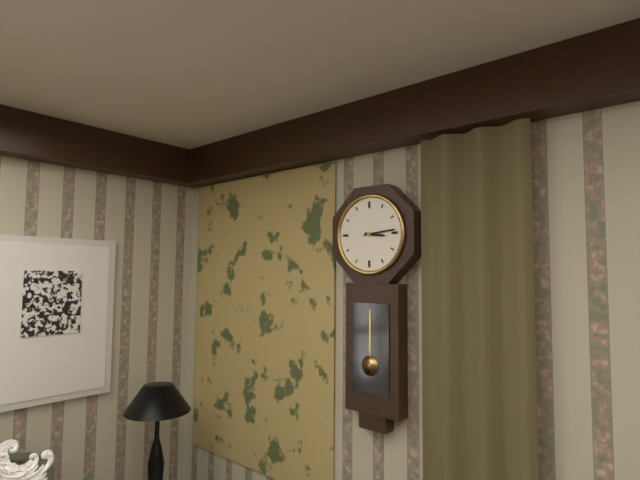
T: 3.14
